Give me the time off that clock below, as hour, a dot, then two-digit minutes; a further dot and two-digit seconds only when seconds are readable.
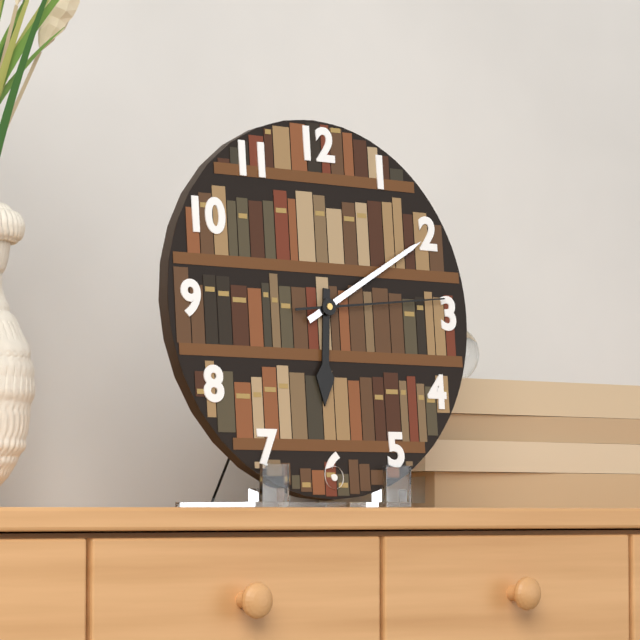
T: 6.10.14
